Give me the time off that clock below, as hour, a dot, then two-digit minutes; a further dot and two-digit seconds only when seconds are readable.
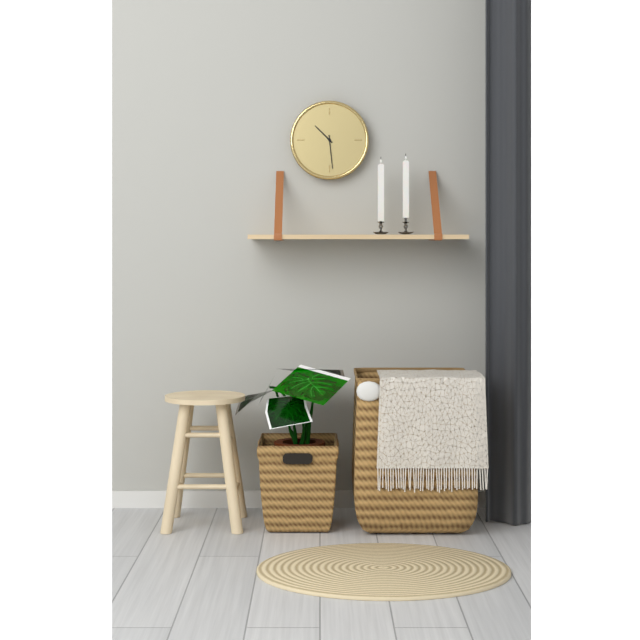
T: 10.29
